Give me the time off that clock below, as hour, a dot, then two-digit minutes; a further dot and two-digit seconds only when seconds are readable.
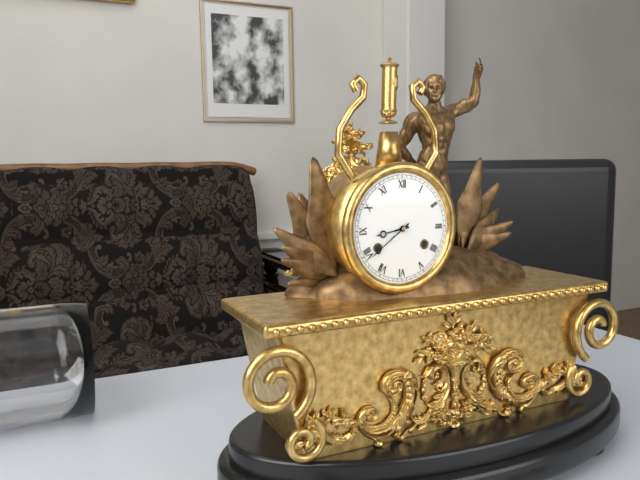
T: 8.39
